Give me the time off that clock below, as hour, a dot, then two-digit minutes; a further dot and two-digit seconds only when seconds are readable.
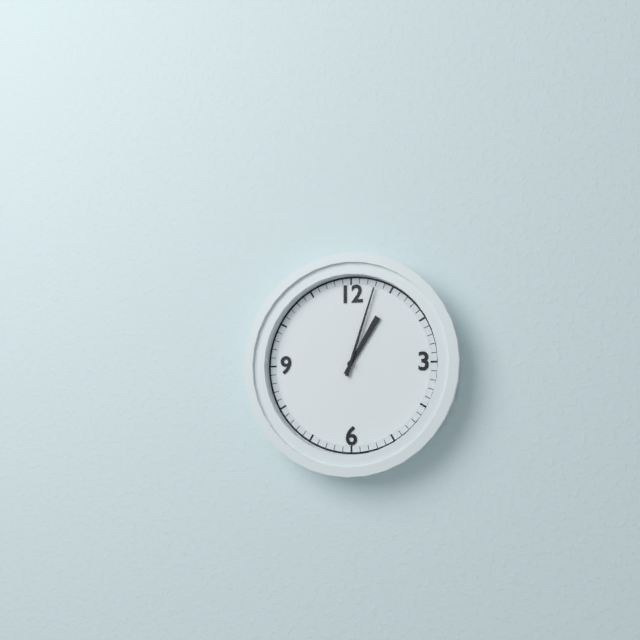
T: 1.03
